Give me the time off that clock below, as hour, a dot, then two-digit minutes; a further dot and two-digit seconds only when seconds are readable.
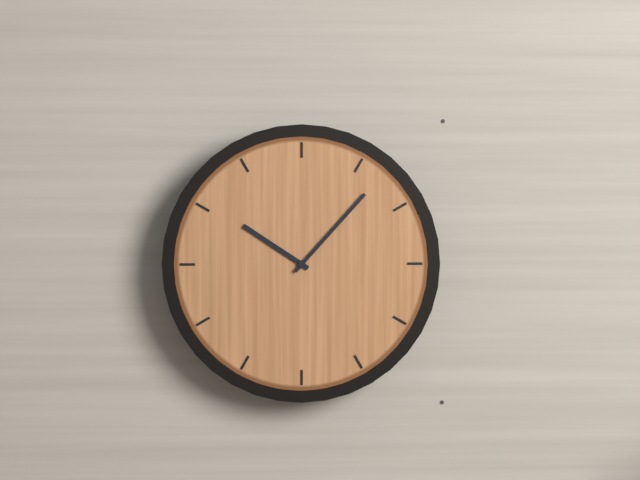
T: 10.07
